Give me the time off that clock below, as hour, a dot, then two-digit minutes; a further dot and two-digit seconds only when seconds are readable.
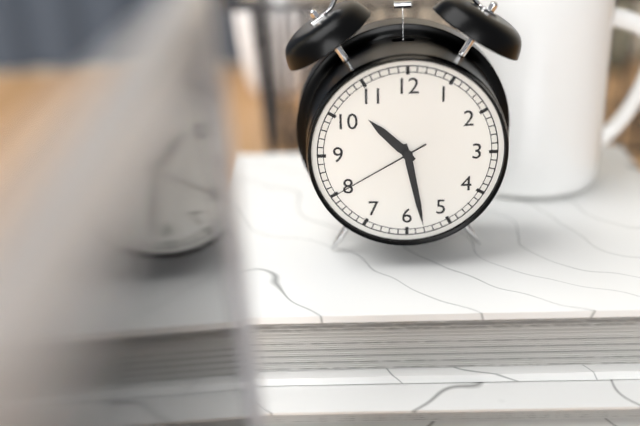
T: 10.28.40
